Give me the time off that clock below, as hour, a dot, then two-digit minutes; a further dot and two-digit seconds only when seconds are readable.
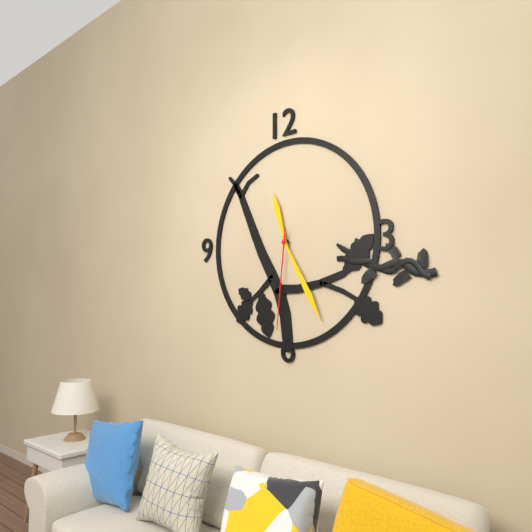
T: 11.25.31
